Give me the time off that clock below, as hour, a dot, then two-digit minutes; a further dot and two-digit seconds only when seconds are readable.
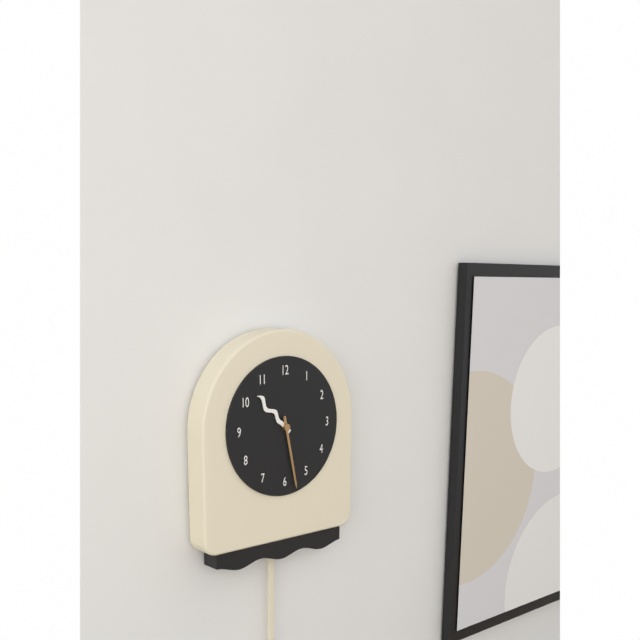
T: 10.28
